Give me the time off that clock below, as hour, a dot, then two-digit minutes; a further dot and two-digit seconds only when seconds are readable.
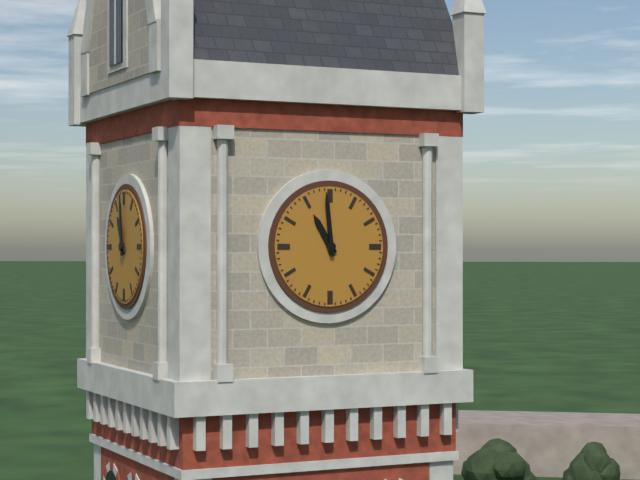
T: 10.59
